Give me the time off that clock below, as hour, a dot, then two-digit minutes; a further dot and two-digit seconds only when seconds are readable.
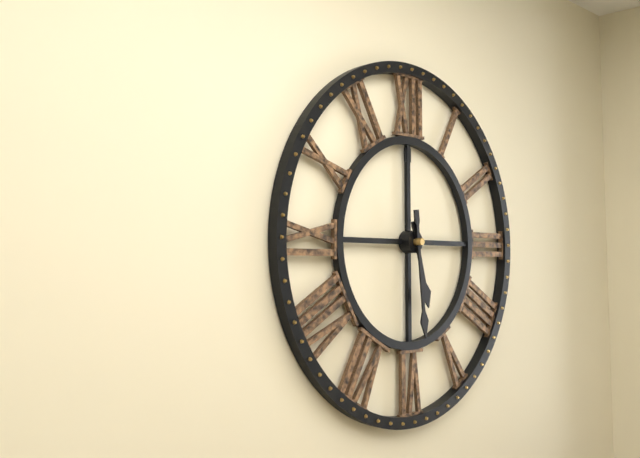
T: 5.29
